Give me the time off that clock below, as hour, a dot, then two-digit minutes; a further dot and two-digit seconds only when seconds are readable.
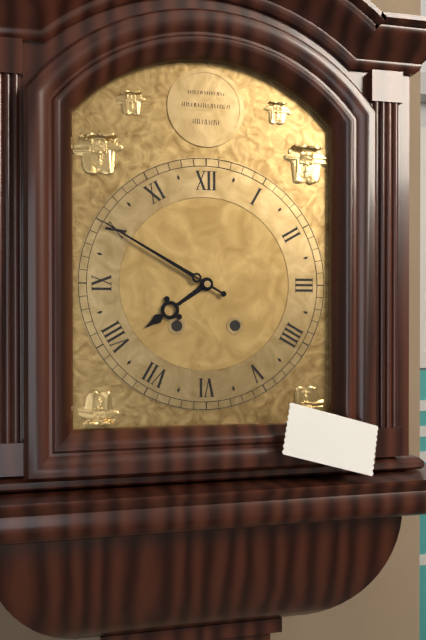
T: 7.50
